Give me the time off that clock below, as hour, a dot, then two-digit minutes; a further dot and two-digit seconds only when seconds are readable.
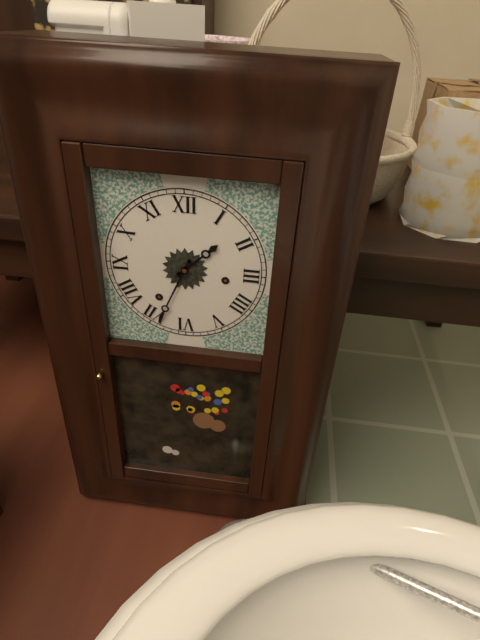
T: 1.34
